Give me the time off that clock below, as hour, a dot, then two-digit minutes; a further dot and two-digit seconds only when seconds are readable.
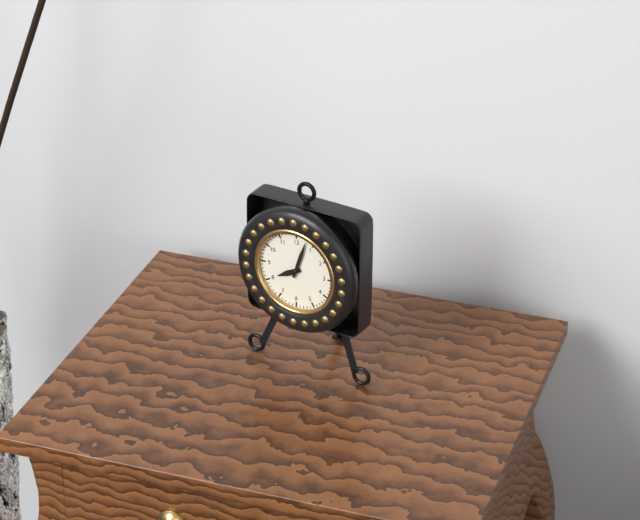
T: 8.03
